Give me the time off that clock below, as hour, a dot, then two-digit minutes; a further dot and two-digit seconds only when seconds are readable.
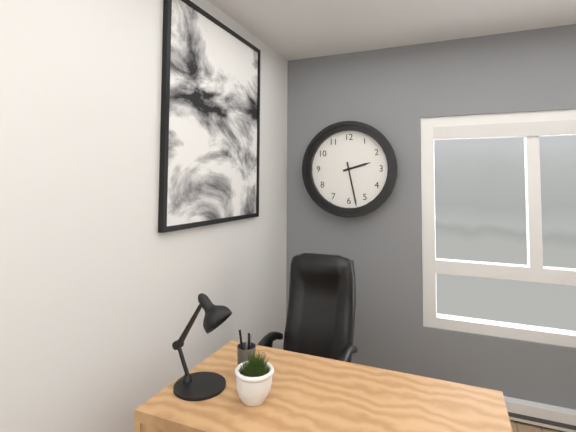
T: 2.28
